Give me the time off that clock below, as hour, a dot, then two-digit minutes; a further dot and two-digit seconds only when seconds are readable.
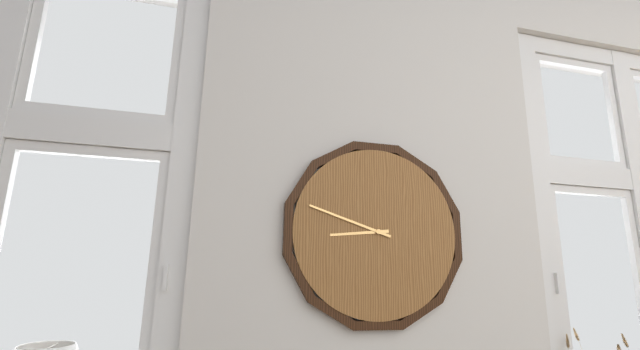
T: 8.48
